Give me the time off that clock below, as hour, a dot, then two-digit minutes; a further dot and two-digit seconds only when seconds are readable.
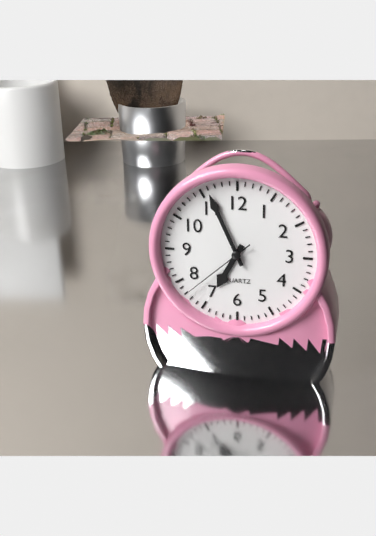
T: 6.56.38
